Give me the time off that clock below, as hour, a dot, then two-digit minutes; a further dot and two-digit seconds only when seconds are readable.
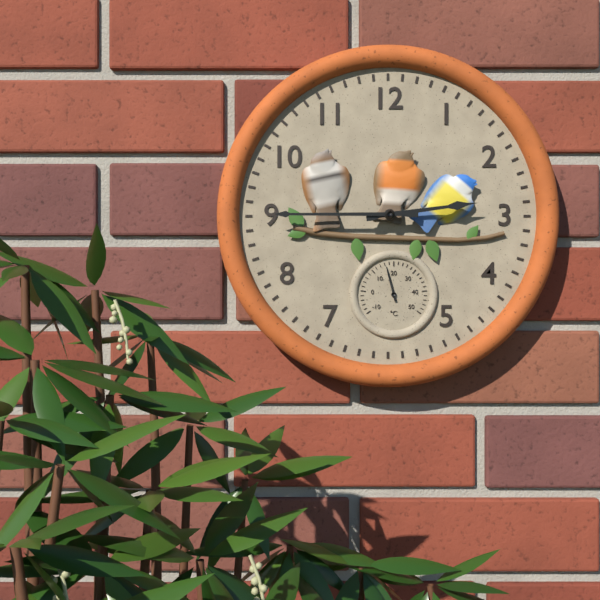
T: 2.45
